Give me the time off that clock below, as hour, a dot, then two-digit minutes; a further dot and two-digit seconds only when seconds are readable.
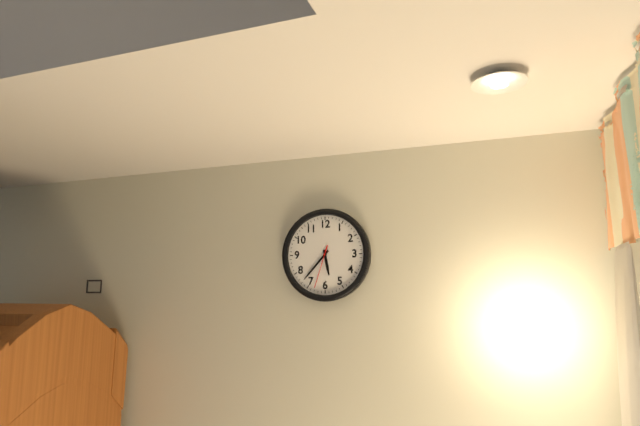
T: 5.37
